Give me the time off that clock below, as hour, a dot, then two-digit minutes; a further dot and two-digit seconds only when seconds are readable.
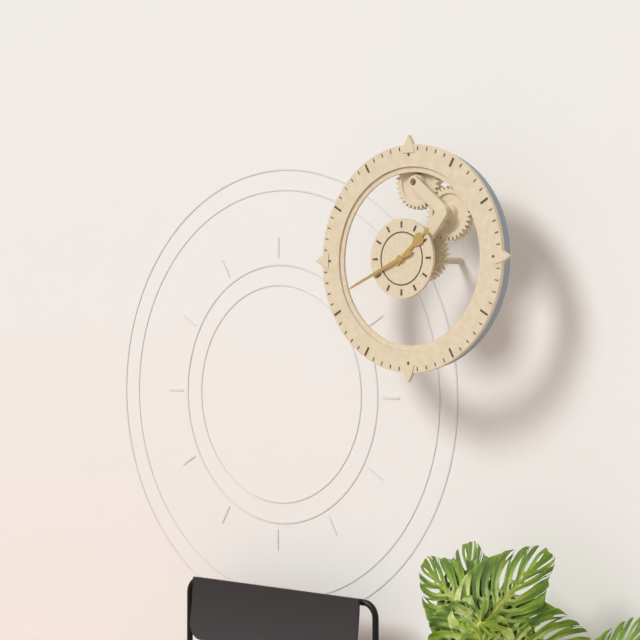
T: 1.41
